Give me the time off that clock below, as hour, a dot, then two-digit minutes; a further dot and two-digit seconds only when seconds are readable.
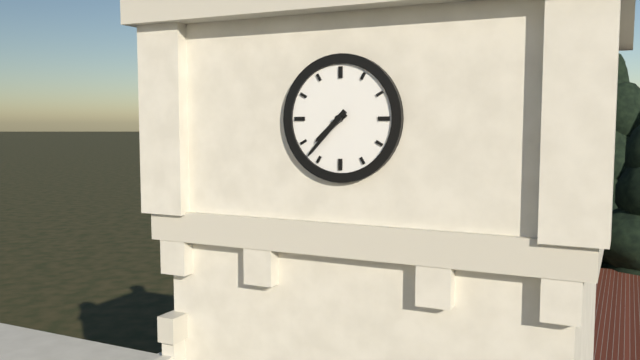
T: 7.37
